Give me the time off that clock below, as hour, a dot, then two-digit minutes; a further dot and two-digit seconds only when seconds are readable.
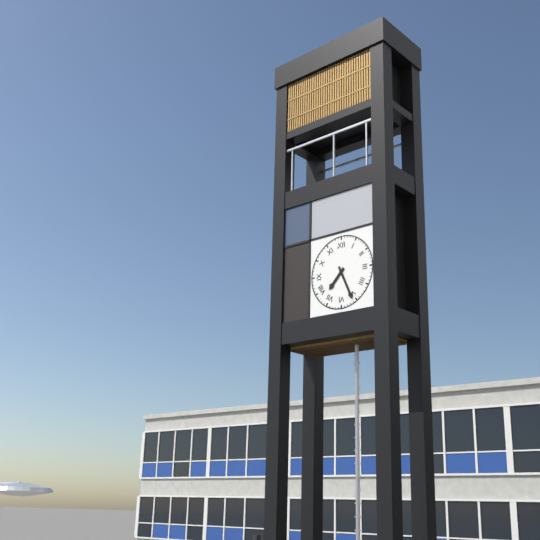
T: 7.26
